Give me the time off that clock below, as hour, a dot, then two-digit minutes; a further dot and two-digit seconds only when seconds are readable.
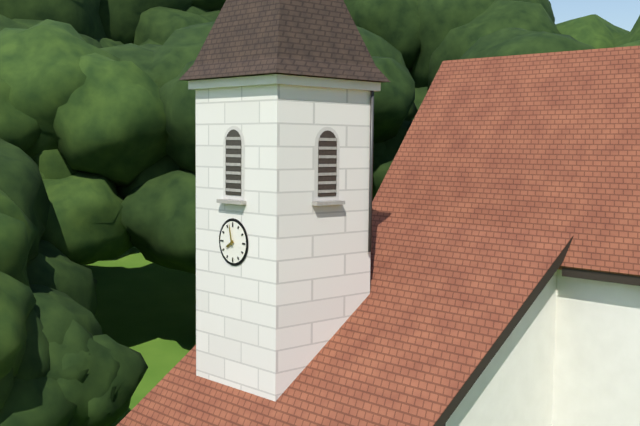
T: 7.58
